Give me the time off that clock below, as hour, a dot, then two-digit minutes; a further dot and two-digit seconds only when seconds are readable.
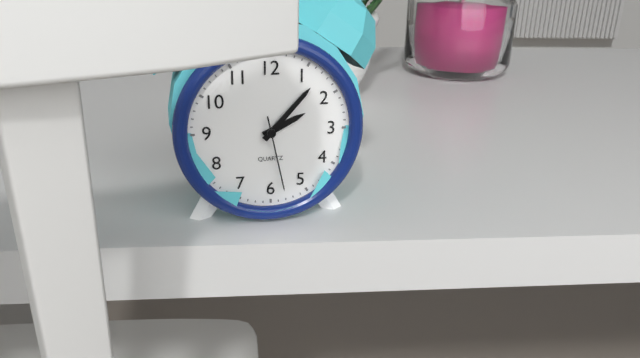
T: 2.07.28
